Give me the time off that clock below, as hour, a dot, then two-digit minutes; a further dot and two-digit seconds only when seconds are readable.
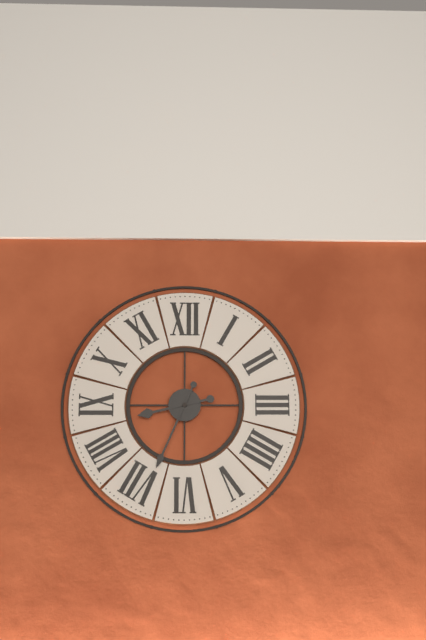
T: 8.34
